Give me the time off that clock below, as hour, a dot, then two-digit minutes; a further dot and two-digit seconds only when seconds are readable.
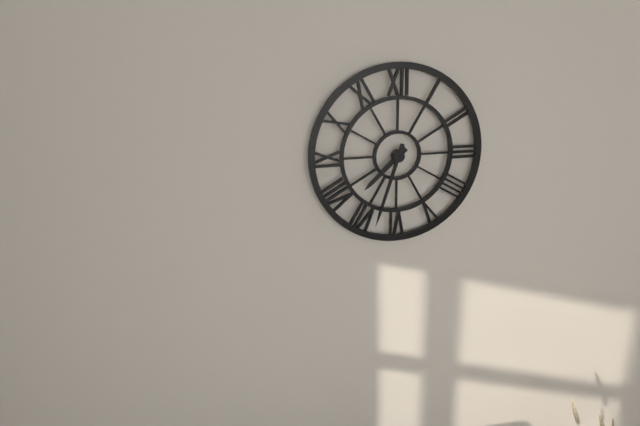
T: 7.33
